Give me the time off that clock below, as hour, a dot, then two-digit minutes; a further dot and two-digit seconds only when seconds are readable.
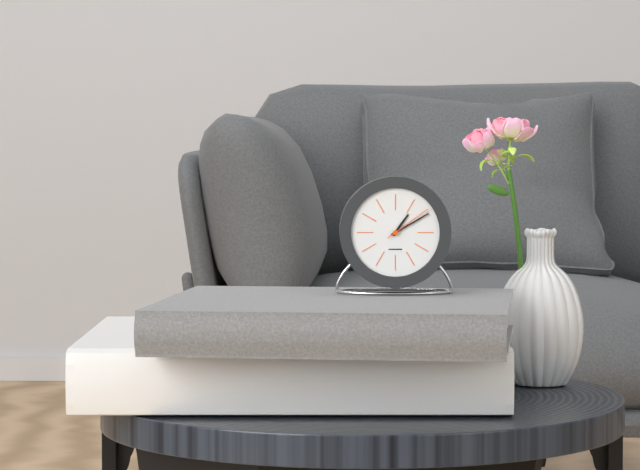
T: 1.10.09
